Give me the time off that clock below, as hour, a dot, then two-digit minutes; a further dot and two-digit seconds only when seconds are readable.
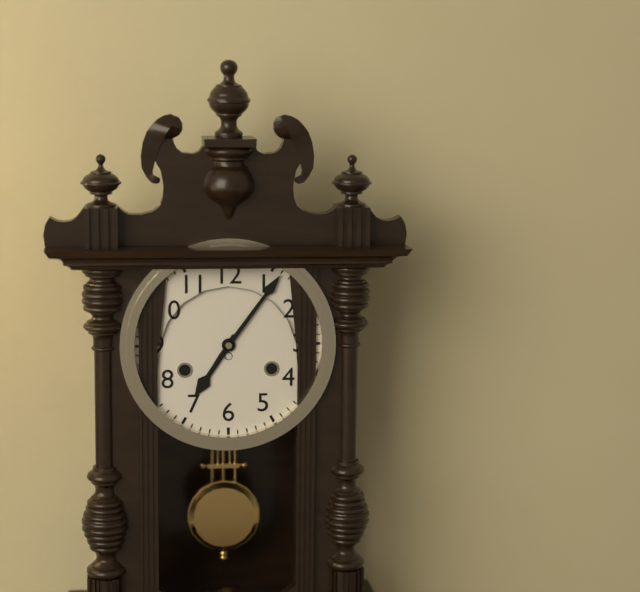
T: 7.06
